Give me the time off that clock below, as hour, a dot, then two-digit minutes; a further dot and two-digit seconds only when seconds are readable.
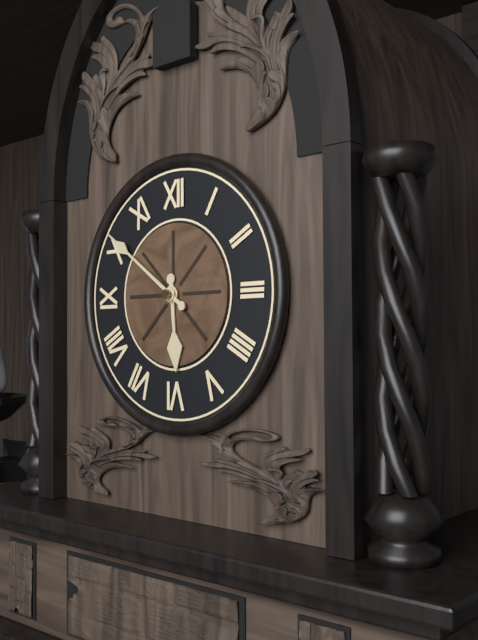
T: 5.51
